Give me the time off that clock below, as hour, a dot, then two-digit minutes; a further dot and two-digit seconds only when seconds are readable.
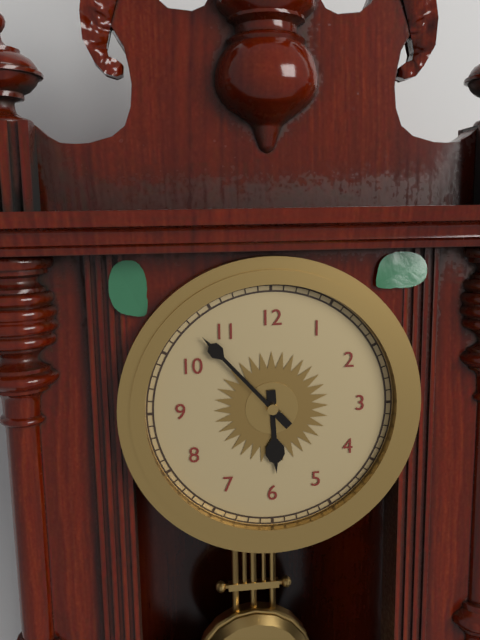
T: 5.53
